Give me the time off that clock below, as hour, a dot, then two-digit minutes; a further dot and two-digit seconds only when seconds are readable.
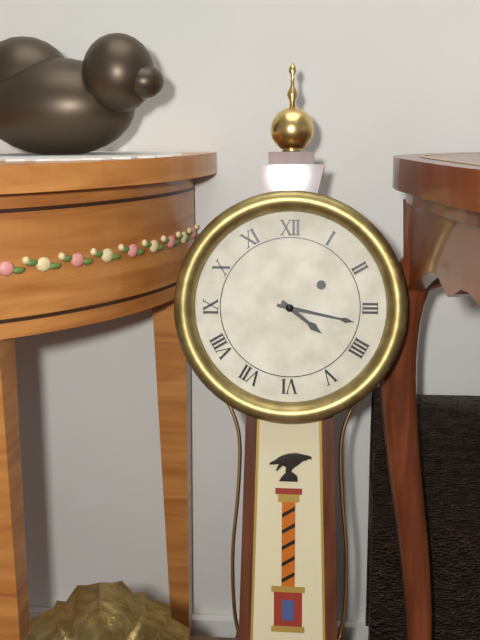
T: 4.17
